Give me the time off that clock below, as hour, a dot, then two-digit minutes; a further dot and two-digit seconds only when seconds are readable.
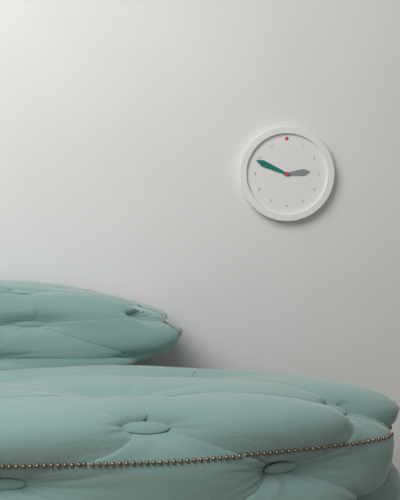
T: 2.49
